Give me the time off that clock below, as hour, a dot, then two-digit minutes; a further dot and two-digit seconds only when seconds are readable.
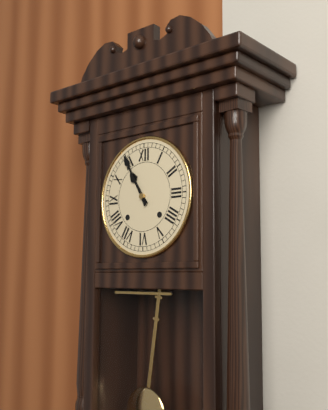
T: 10.55
